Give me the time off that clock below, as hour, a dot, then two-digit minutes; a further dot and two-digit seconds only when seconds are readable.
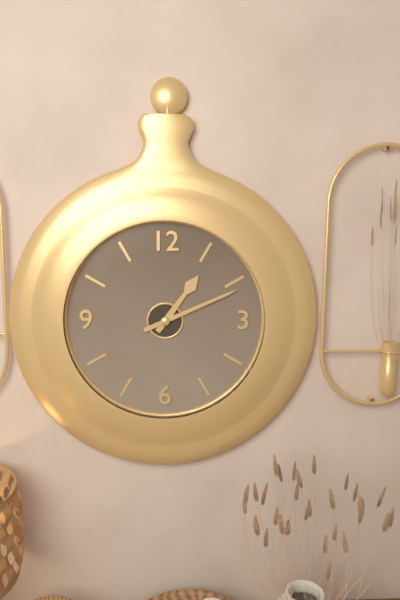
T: 1.11
